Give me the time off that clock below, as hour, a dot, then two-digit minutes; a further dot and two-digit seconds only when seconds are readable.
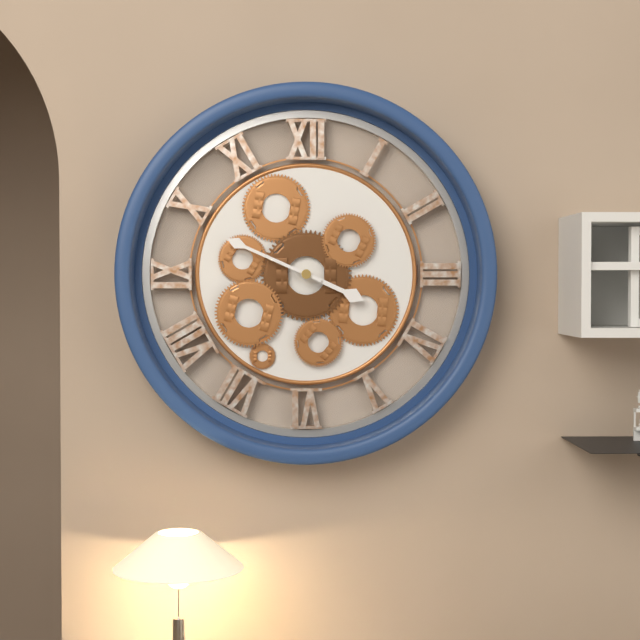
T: 3.49
